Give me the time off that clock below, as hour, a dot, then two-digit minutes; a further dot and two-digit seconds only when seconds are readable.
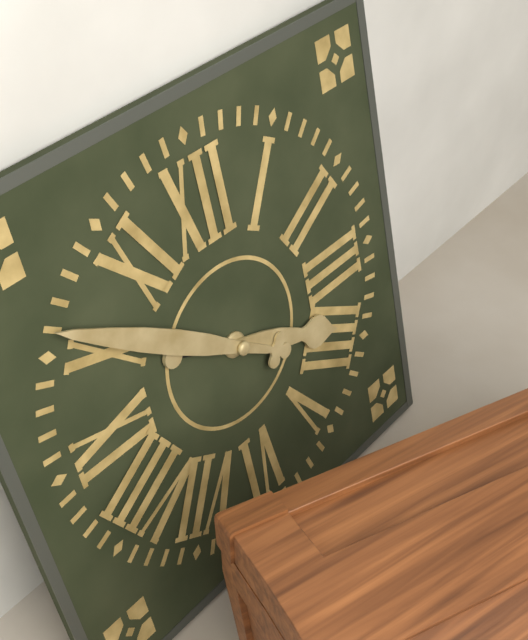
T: 3.51
